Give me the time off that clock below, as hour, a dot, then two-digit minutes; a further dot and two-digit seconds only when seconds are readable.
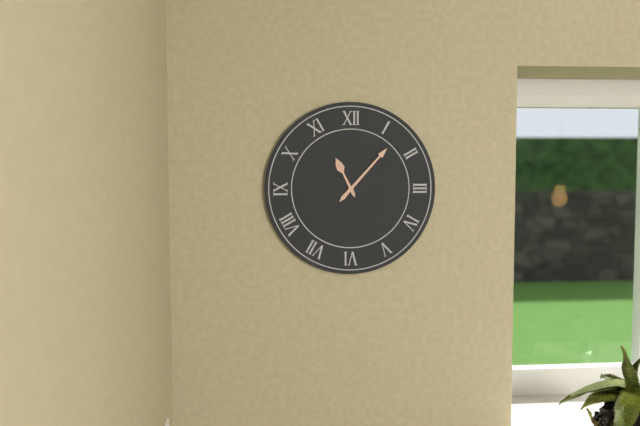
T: 11.07
